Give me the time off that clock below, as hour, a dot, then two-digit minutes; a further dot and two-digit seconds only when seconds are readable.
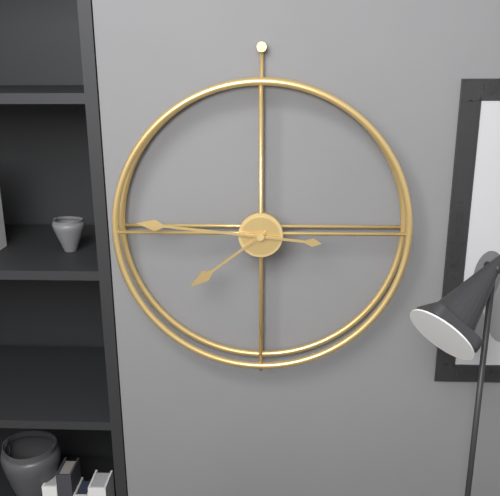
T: 7.46
